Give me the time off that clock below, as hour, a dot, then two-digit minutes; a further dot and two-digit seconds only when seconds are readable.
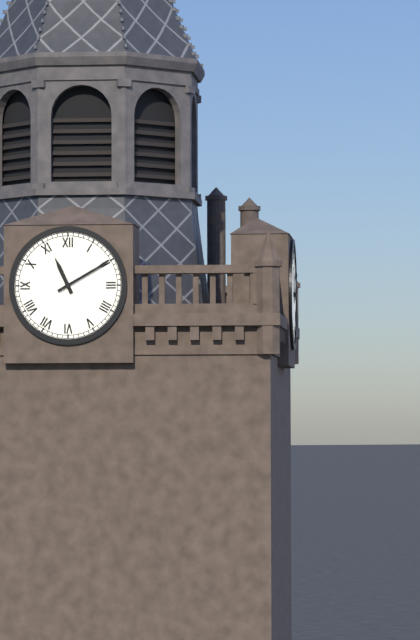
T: 11.10
